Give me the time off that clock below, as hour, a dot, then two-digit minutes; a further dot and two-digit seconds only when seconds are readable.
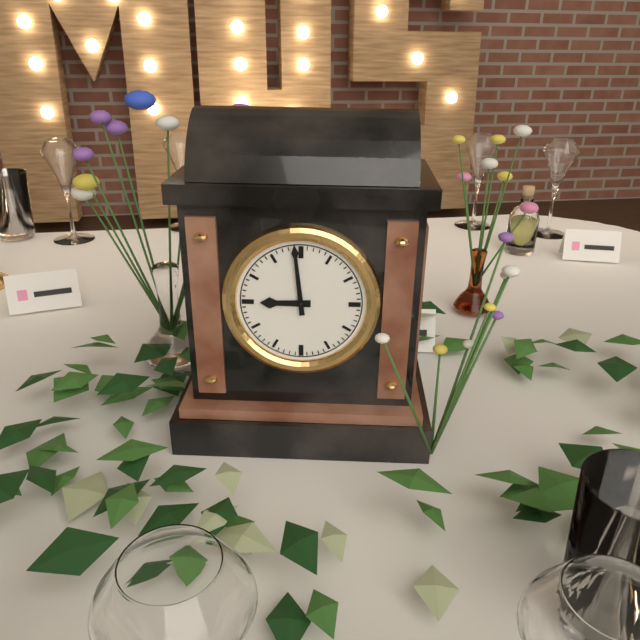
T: 8.59
